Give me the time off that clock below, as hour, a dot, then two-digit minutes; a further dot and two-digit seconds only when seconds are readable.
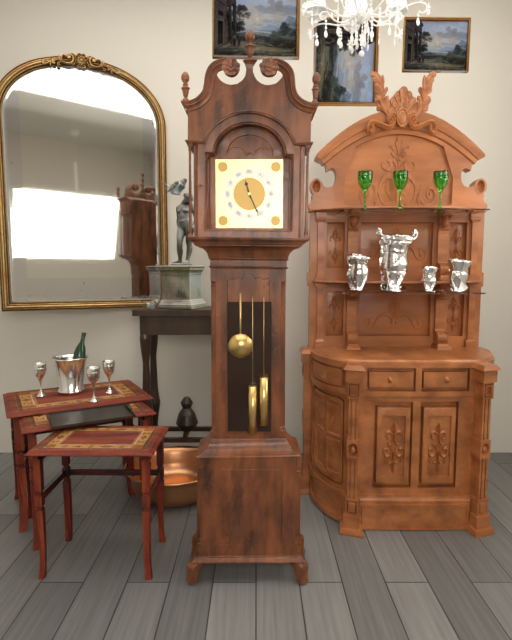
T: 11.26
